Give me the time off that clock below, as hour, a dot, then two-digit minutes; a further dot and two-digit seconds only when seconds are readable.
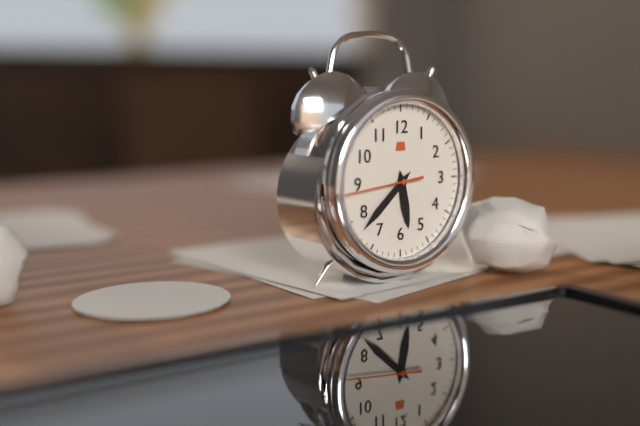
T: 5.38.44
